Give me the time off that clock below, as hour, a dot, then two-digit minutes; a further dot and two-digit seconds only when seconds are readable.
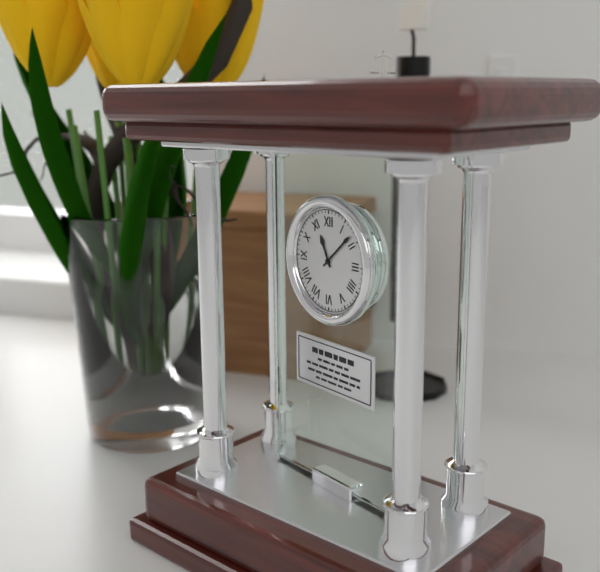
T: 11.08
